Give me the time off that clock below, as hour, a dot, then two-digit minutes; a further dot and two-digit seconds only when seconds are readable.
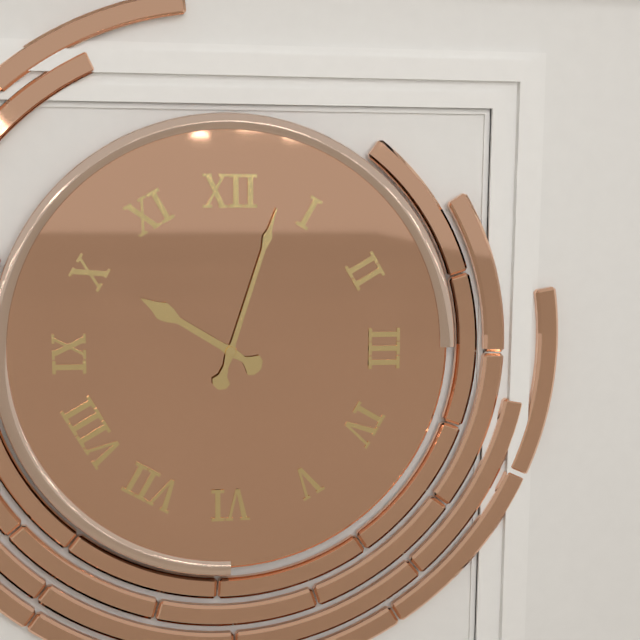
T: 10.03
